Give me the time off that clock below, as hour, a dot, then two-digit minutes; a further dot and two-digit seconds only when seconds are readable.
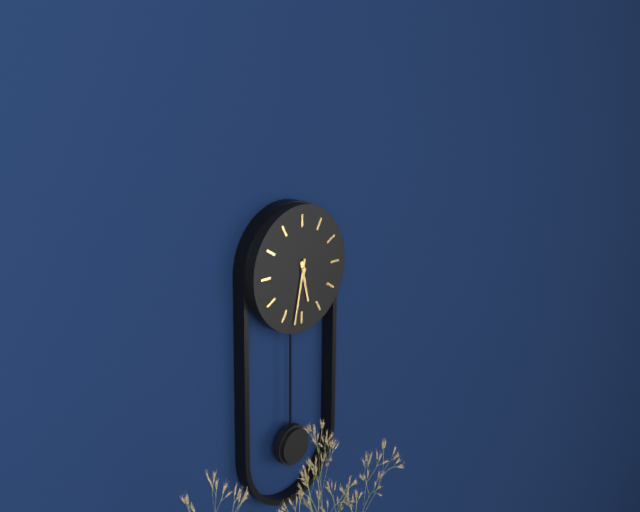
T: 5.32
